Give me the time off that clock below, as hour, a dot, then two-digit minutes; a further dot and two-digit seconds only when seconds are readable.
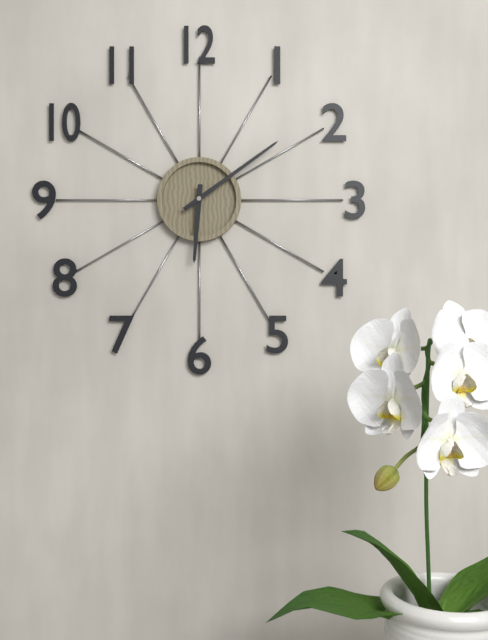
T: 6.09
